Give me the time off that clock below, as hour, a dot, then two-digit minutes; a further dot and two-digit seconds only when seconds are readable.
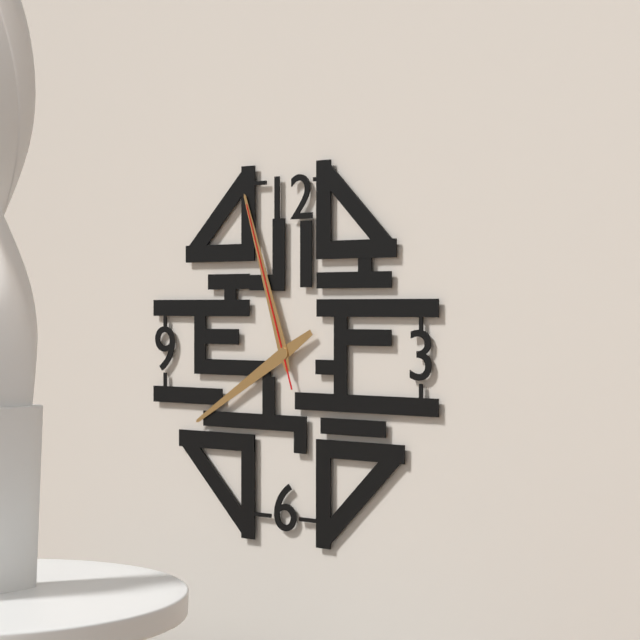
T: 7.57.57
